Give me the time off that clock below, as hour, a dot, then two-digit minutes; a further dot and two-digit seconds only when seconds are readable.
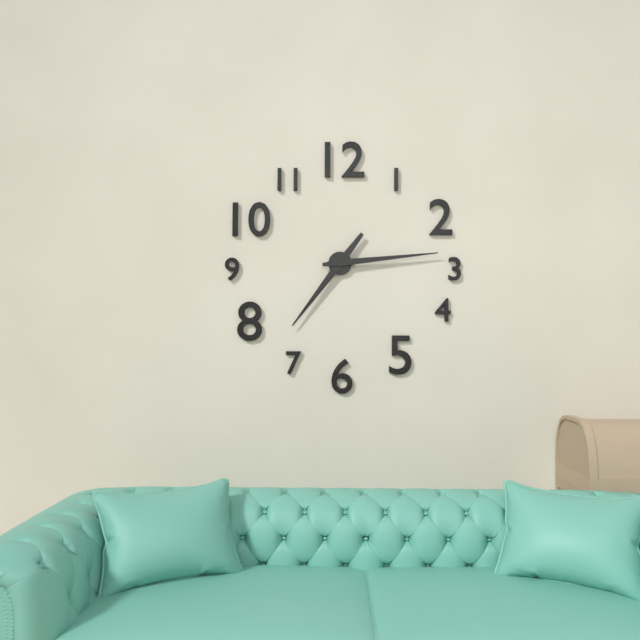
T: 7.14
